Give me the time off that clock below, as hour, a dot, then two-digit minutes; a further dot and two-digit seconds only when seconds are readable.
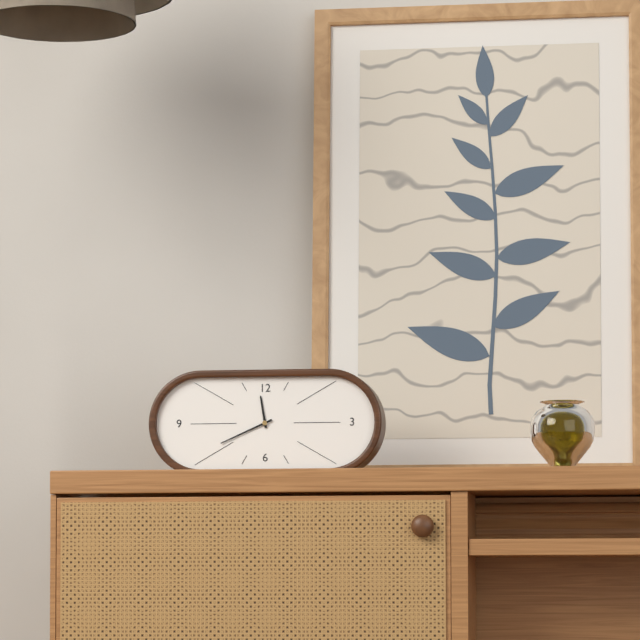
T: 11.41
